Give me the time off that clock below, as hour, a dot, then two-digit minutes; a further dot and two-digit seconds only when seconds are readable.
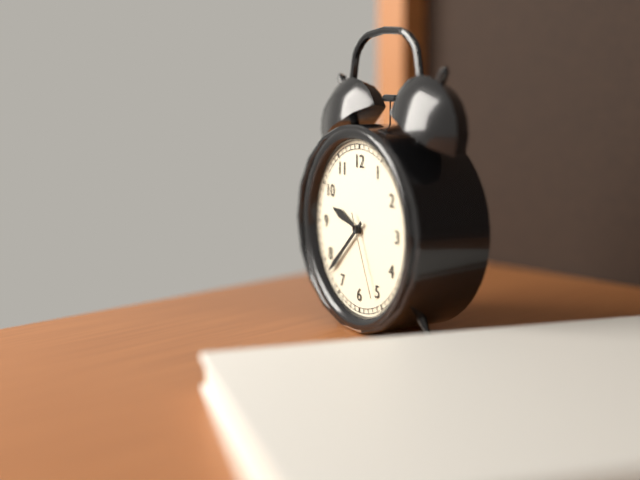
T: 9.38.26
